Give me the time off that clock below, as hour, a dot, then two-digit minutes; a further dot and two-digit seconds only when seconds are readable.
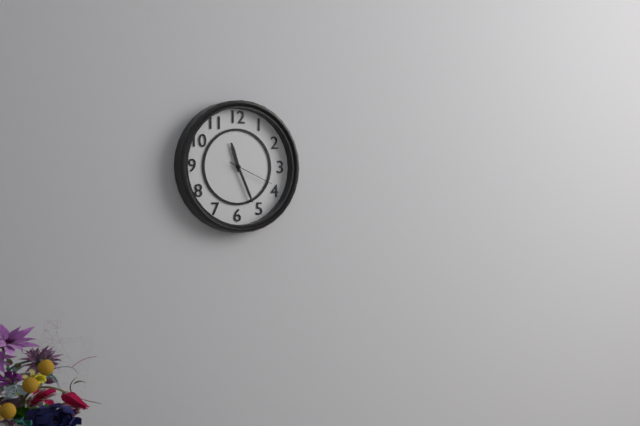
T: 11.26.19
